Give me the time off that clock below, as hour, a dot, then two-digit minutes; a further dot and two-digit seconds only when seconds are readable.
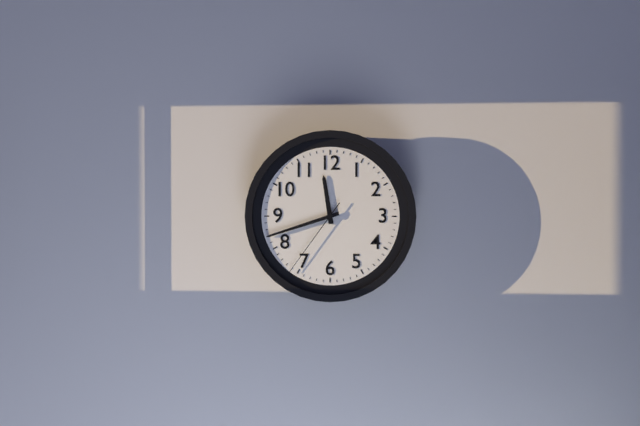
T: 11.42.36
